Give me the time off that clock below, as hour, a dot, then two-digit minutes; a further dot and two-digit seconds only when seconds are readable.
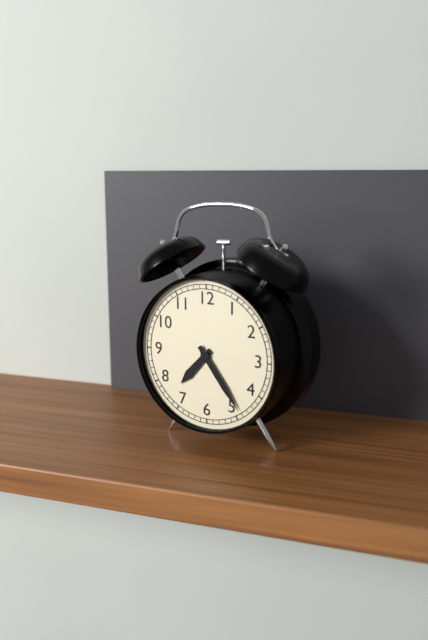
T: 7.24
